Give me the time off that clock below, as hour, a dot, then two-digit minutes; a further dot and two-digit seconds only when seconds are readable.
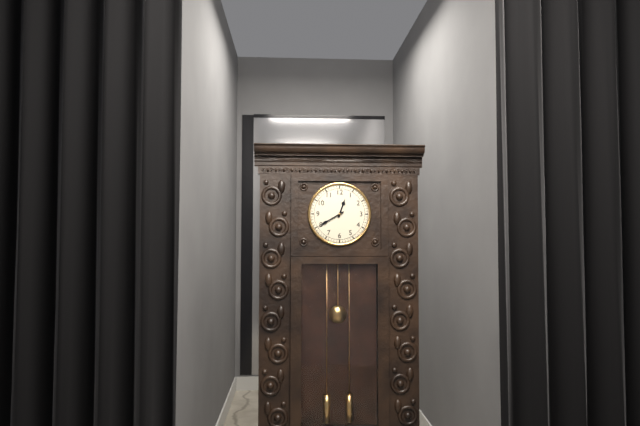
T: 12.40
